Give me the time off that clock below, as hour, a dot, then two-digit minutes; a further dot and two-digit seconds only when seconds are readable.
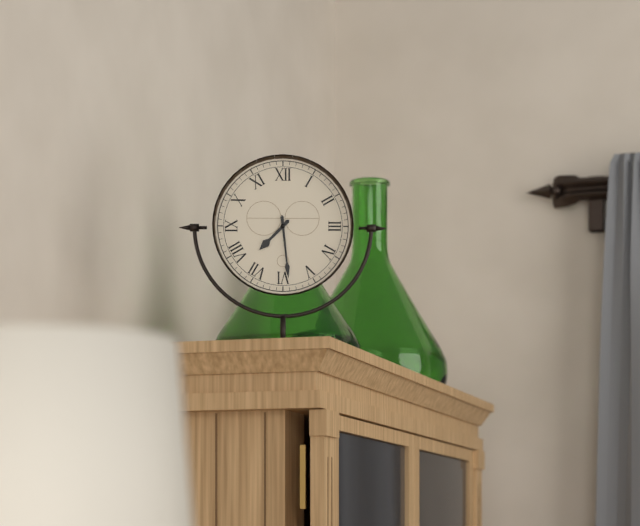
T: 7.29
